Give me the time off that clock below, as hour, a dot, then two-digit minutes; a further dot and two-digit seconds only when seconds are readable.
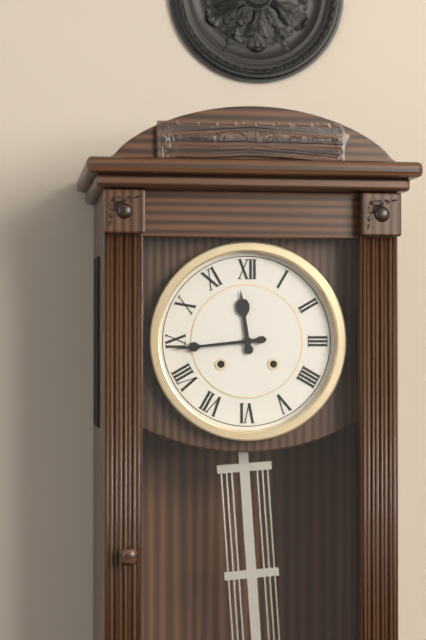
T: 11.44
